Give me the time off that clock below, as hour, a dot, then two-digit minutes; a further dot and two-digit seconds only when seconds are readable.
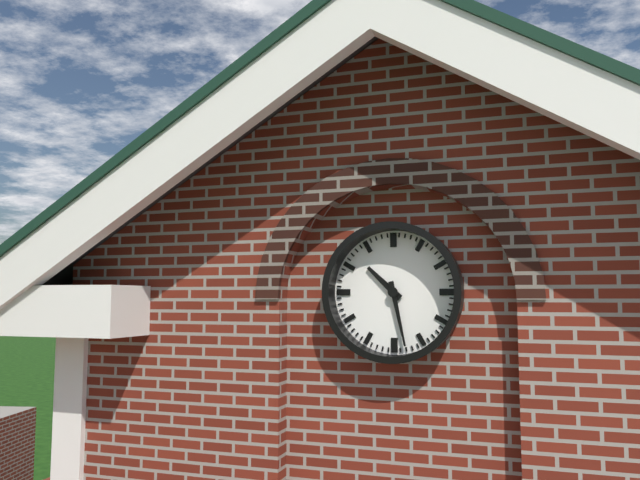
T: 10.28
